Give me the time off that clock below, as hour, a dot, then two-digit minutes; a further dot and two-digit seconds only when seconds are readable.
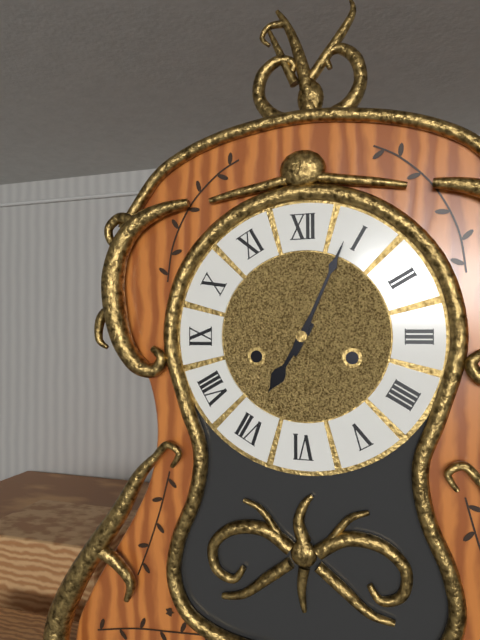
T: 7.04
